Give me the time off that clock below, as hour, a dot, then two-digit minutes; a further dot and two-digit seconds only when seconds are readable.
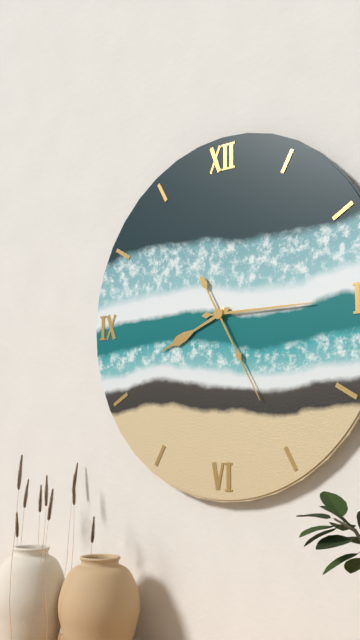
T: 8.15.25
